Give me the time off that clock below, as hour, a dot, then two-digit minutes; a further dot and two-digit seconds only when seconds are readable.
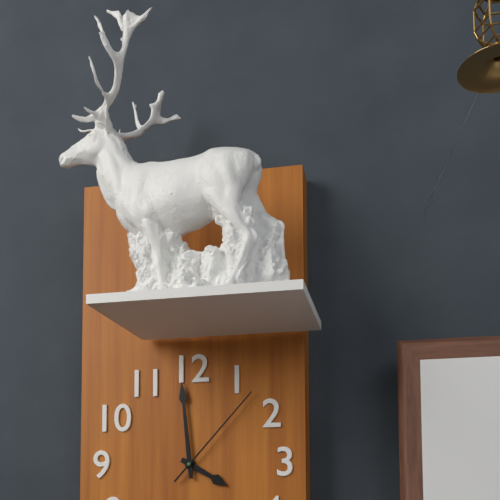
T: 3.59.07
